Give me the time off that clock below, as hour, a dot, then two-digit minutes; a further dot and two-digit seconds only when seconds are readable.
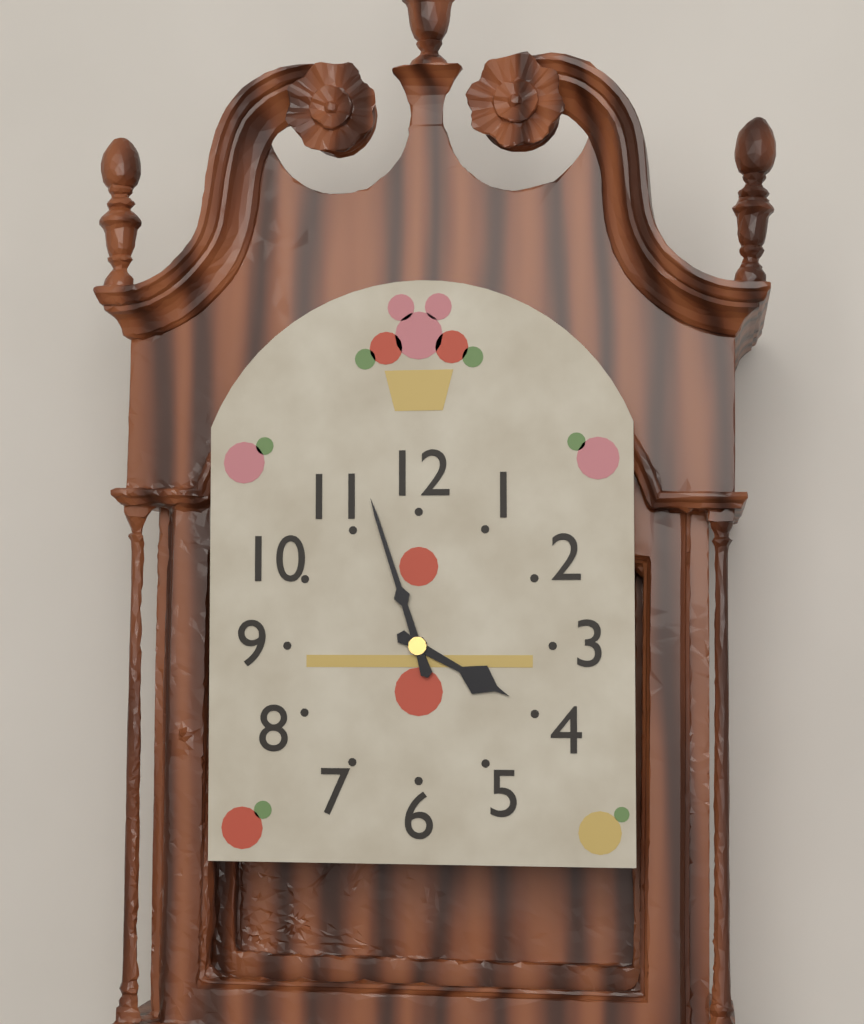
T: 3.57
